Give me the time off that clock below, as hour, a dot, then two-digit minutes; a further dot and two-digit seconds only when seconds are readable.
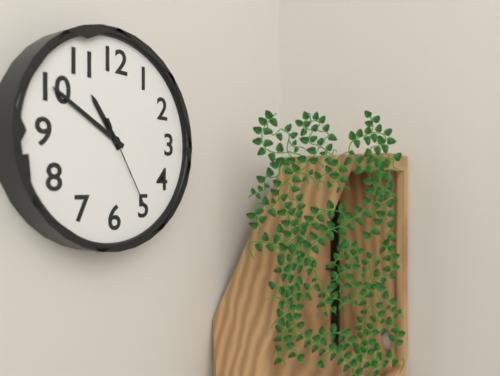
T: 10.50.25
